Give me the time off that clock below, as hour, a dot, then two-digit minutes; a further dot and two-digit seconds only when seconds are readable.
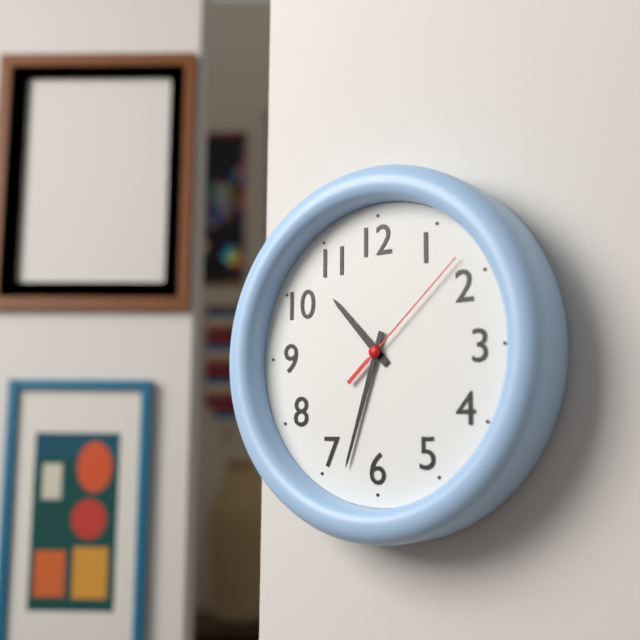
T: 10.33.08
